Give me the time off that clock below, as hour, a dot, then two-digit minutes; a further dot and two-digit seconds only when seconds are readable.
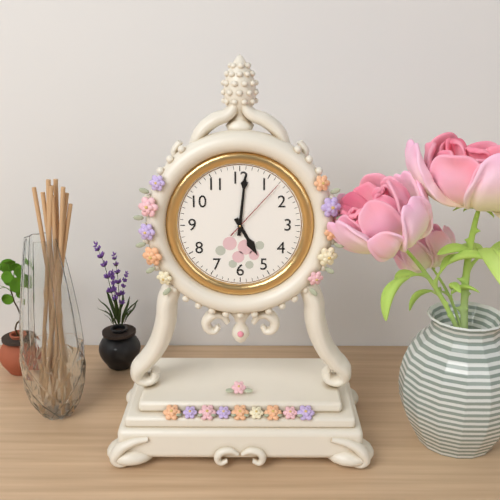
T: 5.01.07
